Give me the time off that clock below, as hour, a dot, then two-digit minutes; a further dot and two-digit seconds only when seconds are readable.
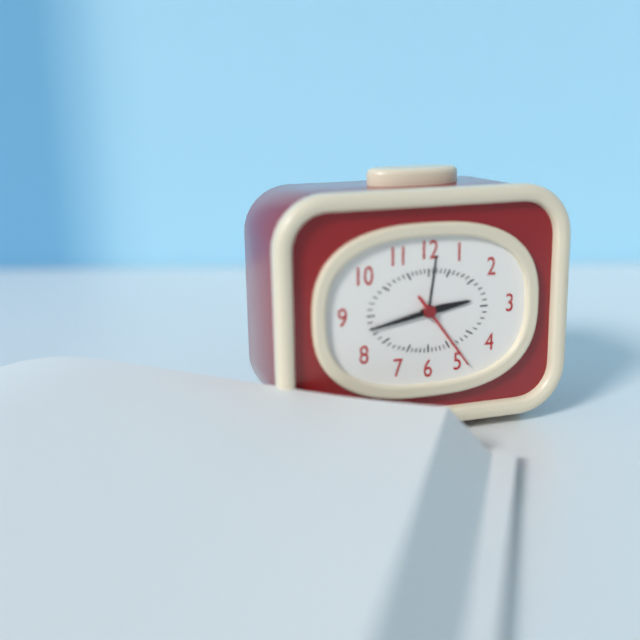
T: 2.43.24
